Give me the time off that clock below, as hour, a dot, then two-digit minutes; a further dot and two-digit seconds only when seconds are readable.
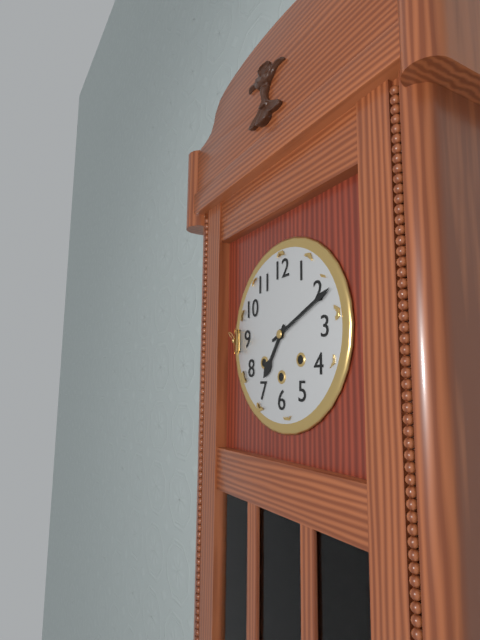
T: 7.11
